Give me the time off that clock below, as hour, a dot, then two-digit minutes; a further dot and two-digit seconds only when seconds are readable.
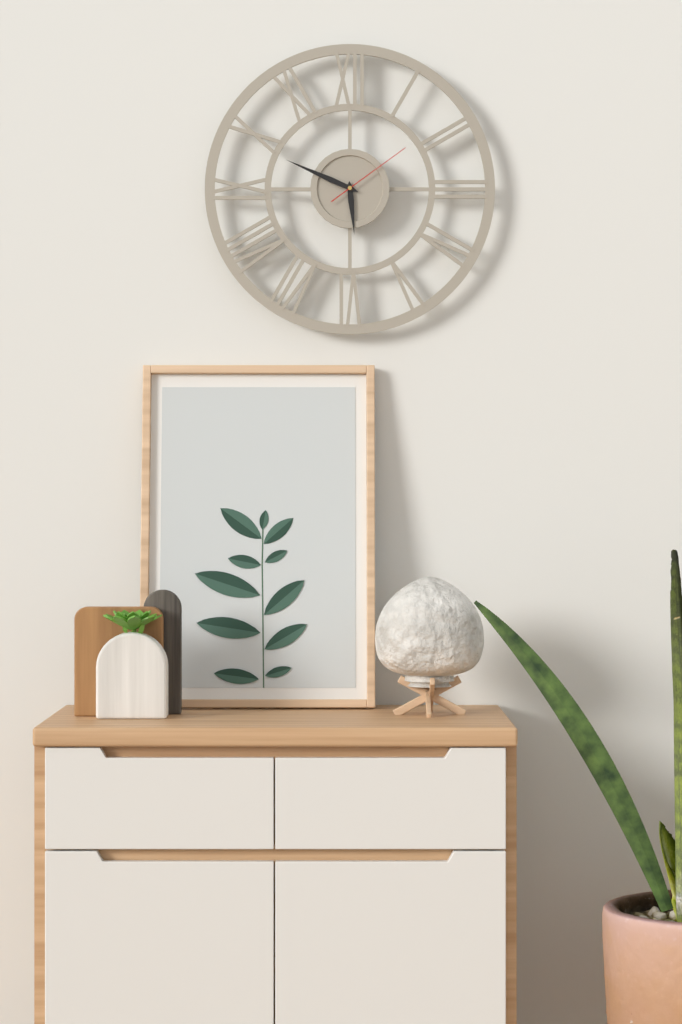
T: 5.49.09
